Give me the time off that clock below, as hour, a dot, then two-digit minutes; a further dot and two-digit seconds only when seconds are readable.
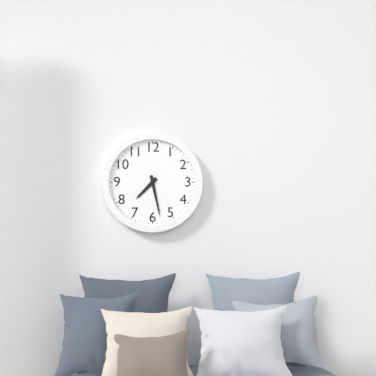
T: 7.28
